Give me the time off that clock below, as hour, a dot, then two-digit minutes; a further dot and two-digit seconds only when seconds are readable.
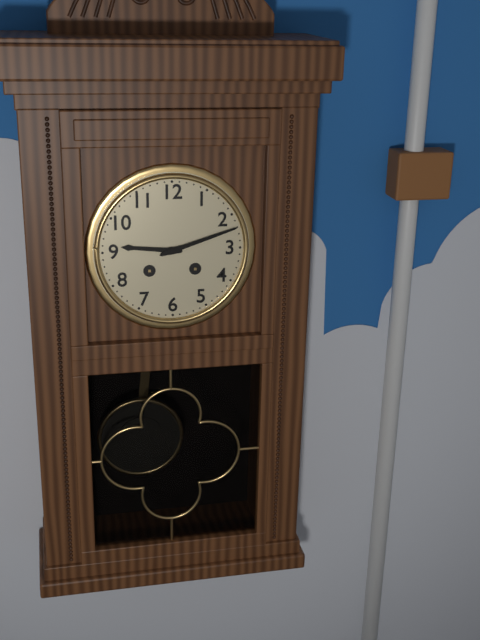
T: 9.12
